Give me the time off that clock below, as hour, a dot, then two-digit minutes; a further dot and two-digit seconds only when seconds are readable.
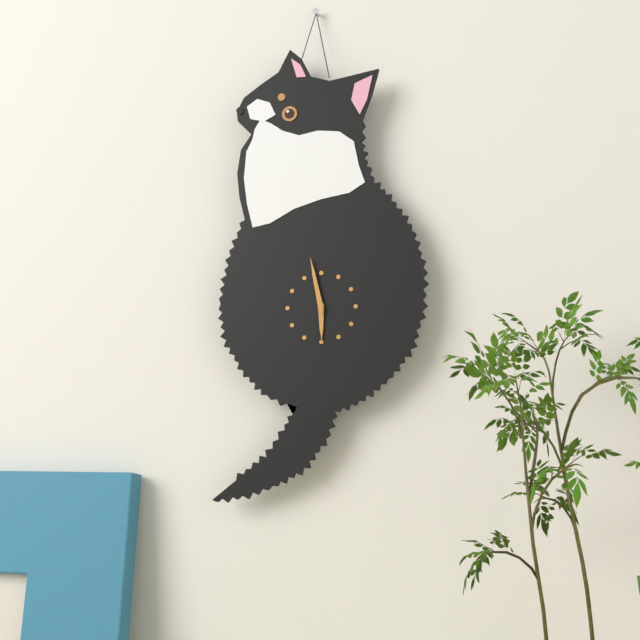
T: 5.58
